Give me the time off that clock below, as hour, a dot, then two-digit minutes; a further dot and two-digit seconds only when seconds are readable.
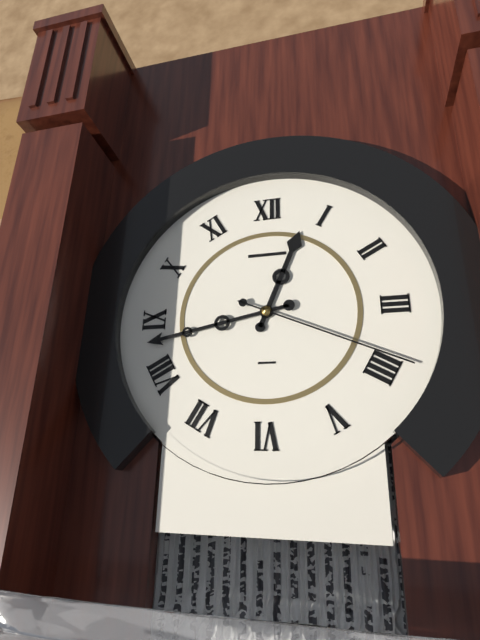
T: 12.43.19
